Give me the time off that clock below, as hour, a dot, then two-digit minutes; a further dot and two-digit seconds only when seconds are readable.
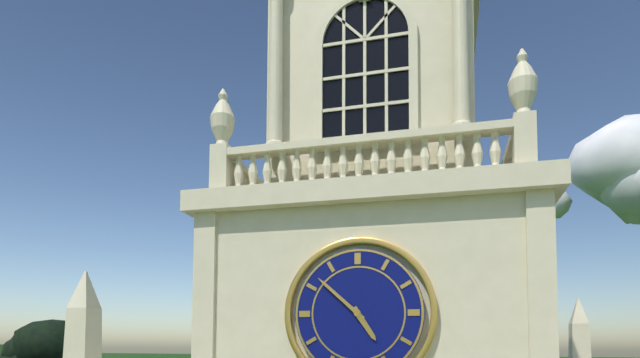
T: 4.52
